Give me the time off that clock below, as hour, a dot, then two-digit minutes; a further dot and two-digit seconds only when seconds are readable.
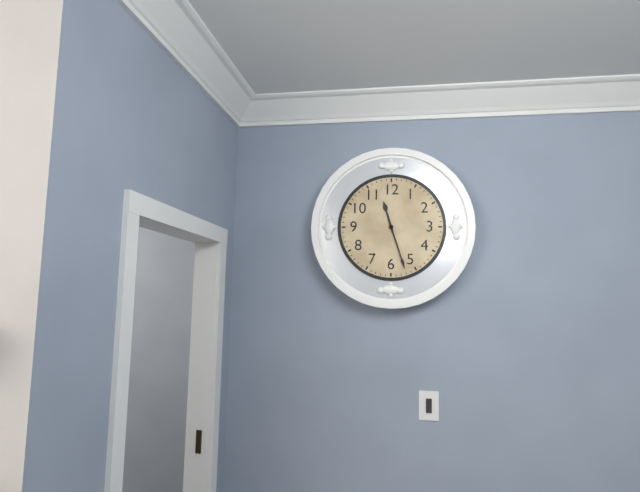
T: 11.27
